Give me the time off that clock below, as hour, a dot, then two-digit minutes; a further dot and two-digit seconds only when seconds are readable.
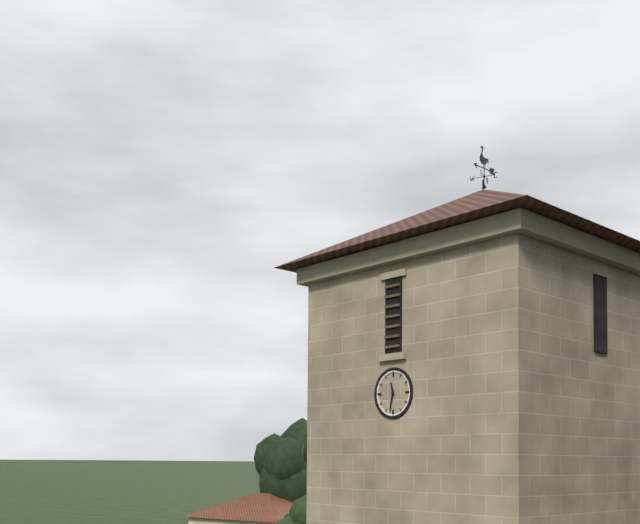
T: 11.32
